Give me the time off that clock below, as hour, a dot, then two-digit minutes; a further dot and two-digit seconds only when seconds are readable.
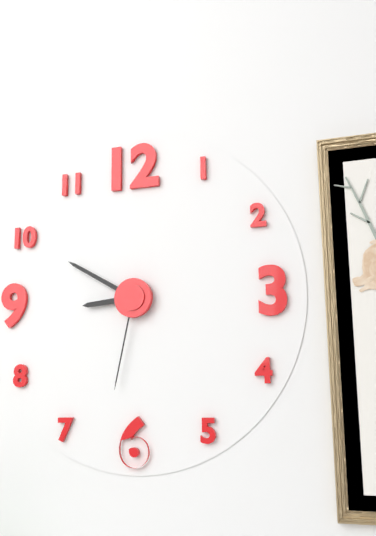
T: 8.50.32
